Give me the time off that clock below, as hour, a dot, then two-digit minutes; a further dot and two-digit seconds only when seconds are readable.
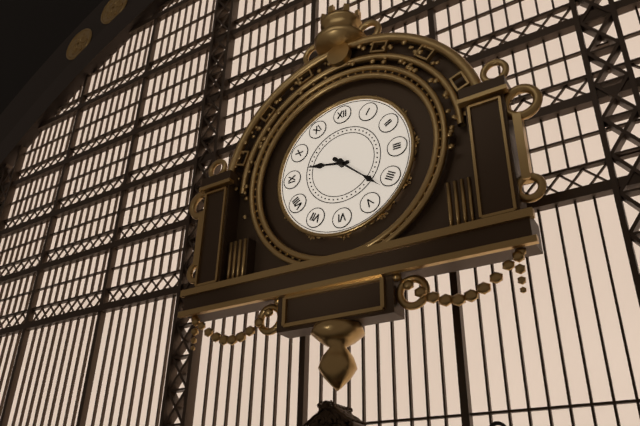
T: 9.22
